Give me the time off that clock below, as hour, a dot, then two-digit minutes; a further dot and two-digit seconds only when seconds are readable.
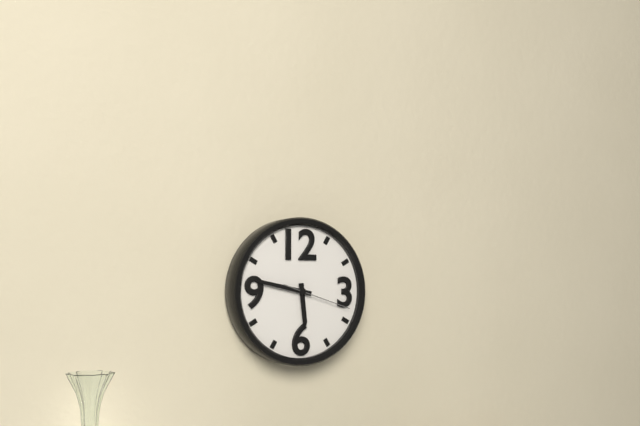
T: 5.47.18
